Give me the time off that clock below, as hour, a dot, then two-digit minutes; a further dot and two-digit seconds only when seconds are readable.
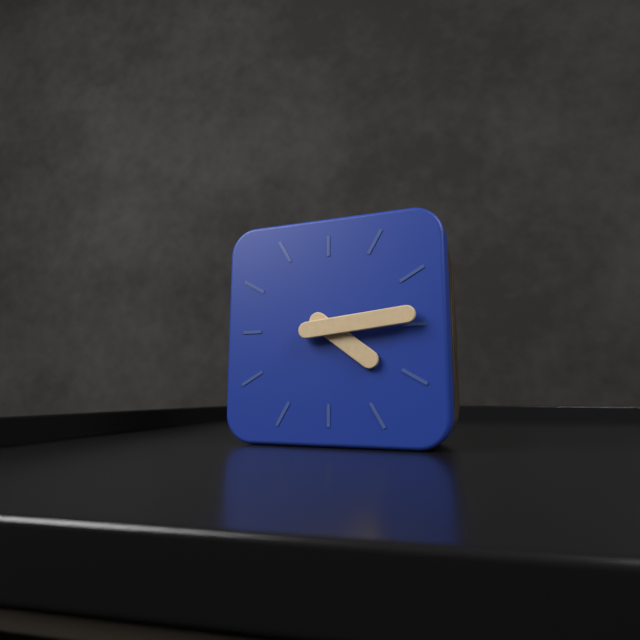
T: 4.14
